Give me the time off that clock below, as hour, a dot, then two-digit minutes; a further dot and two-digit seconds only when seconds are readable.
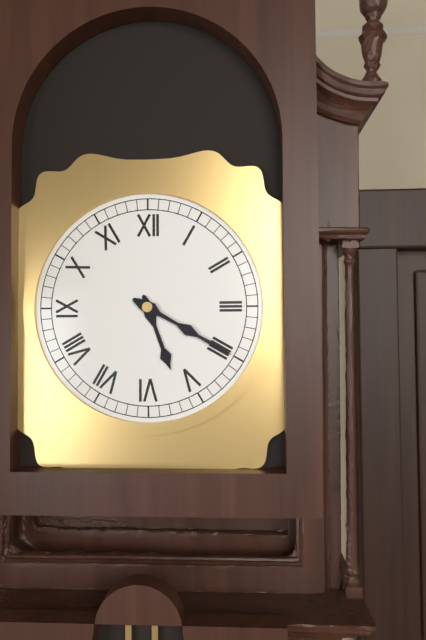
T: 5.20
